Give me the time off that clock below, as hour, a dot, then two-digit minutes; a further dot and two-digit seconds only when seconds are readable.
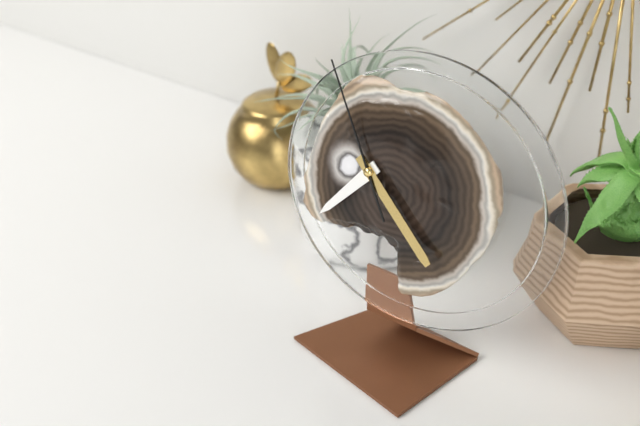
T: 7.22.55
